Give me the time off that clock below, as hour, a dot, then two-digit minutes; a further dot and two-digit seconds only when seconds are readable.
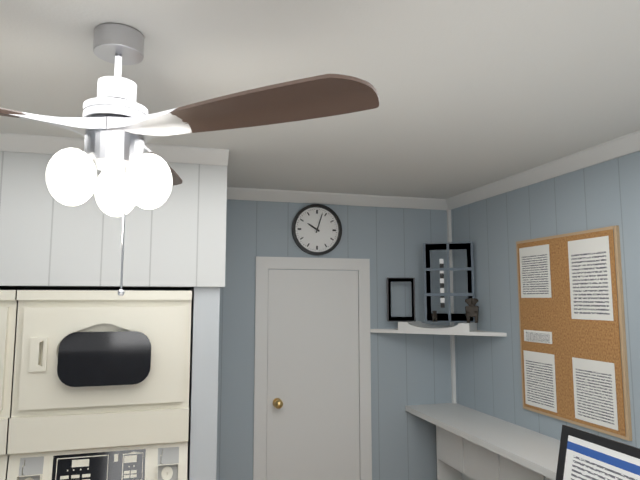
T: 10.03
